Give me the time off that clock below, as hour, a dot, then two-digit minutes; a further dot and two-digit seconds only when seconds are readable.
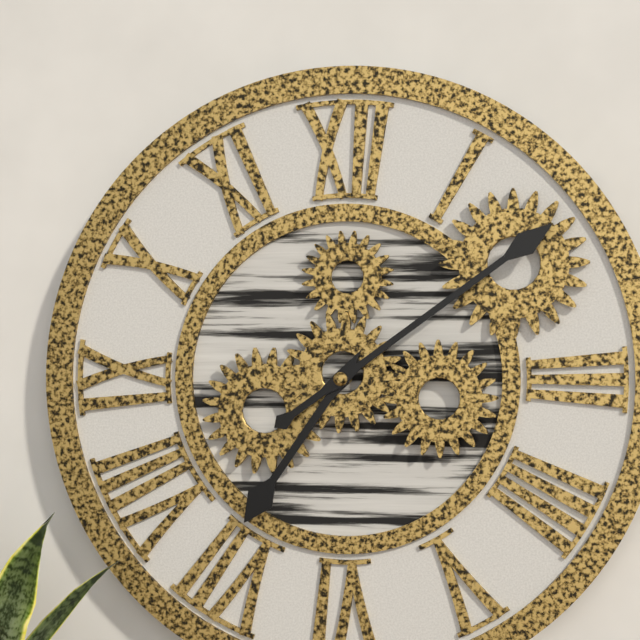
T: 7.09
